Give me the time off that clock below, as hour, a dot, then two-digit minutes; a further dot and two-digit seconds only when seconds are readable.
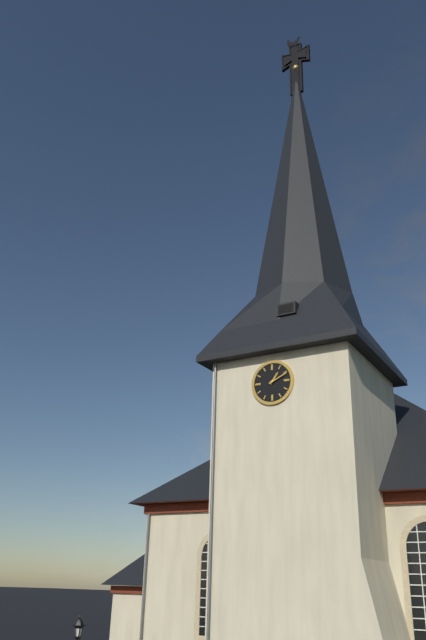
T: 1.11
